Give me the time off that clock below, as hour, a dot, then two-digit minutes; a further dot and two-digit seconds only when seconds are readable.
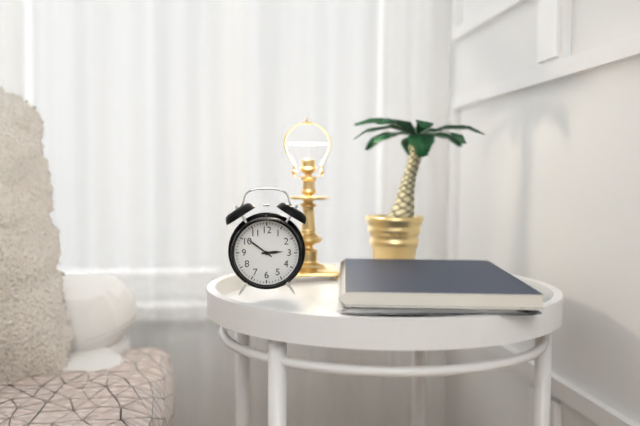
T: 2.51
